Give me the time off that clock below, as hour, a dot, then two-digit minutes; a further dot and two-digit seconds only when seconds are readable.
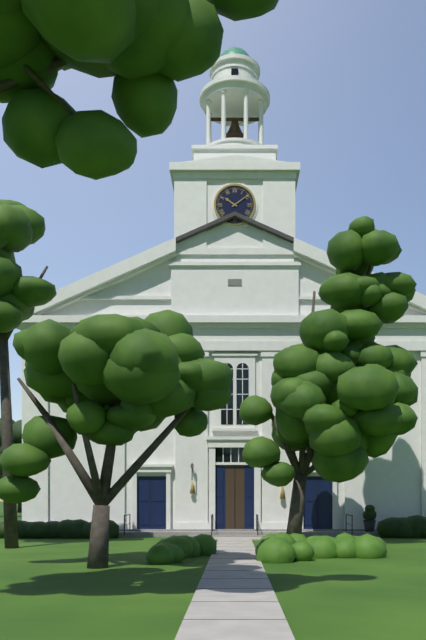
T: 10.09
